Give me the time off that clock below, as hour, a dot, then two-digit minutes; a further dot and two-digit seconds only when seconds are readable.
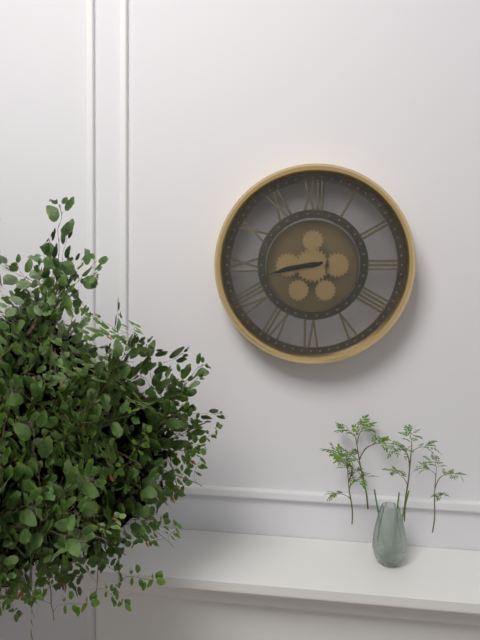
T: 8.43
